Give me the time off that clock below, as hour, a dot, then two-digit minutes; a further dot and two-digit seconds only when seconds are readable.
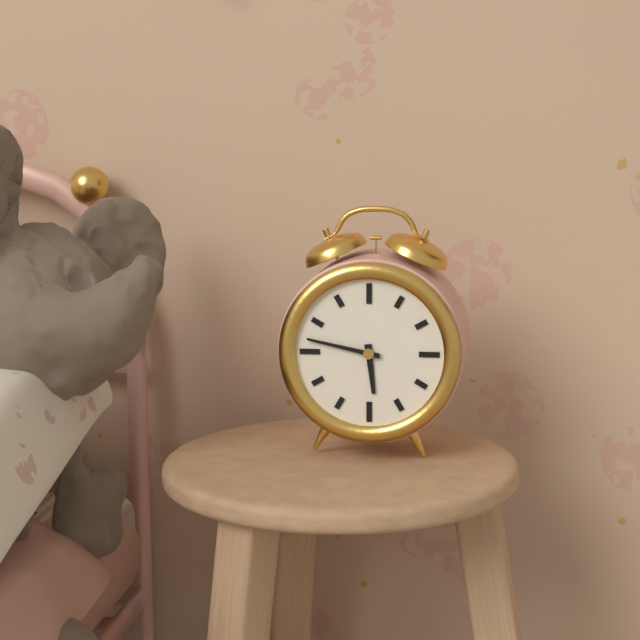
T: 5.47
